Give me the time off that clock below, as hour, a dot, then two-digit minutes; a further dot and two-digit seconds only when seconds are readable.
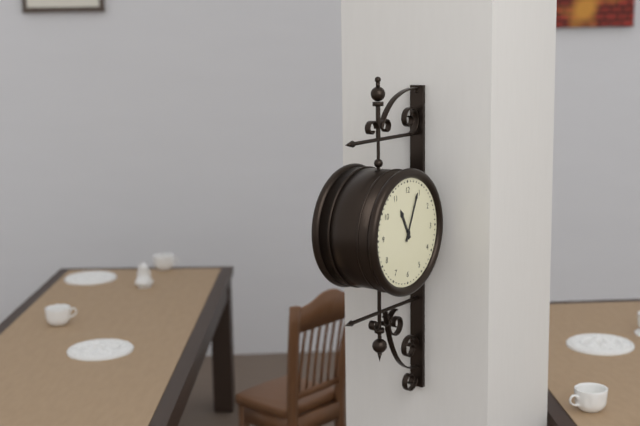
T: 11.04
